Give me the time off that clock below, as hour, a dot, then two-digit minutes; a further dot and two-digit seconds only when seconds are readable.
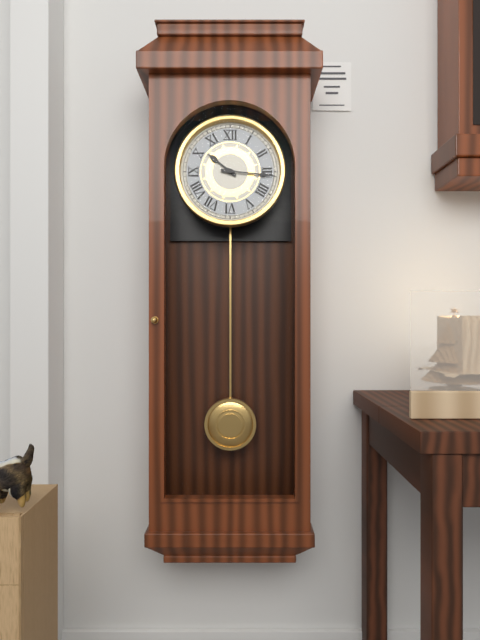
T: 10.16
